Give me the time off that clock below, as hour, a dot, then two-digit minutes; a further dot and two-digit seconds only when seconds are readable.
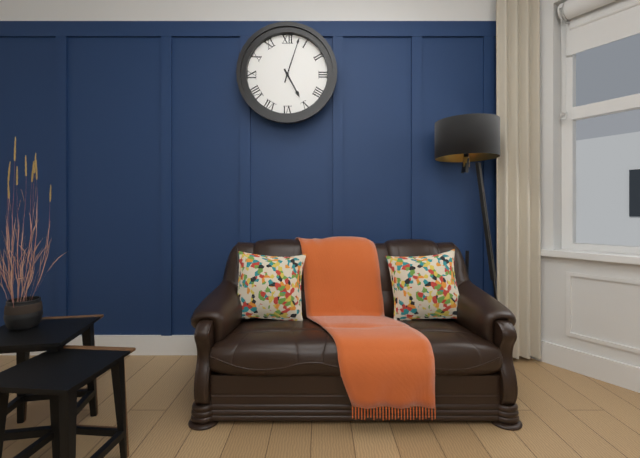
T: 5.03
